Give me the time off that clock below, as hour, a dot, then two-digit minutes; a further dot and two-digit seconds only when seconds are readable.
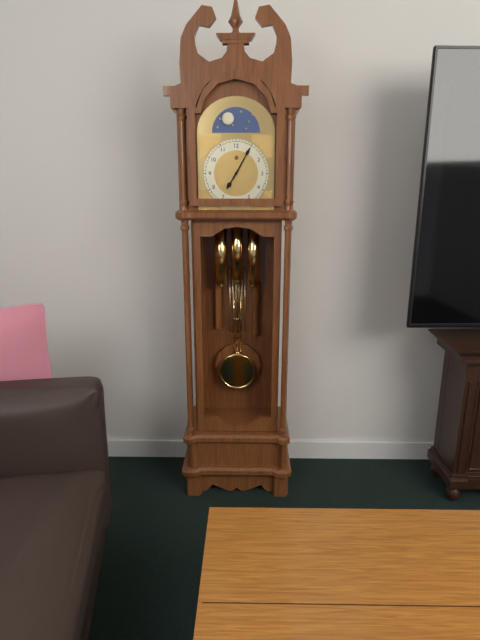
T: 7.05
